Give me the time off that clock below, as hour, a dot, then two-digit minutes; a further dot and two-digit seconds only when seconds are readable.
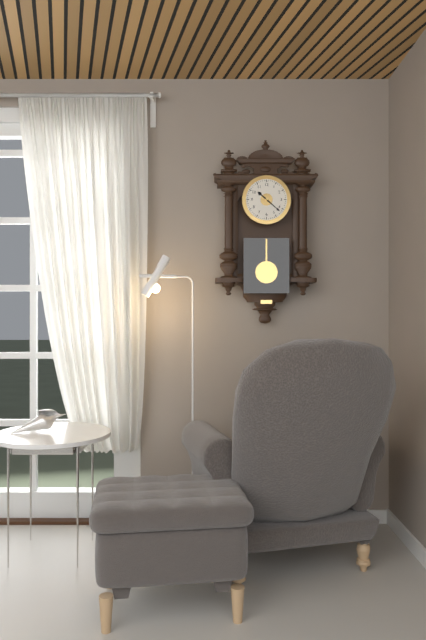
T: 10.22
